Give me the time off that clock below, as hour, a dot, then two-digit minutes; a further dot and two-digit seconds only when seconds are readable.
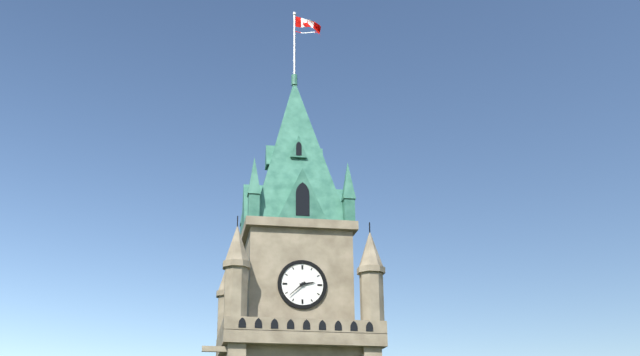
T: 2.38
